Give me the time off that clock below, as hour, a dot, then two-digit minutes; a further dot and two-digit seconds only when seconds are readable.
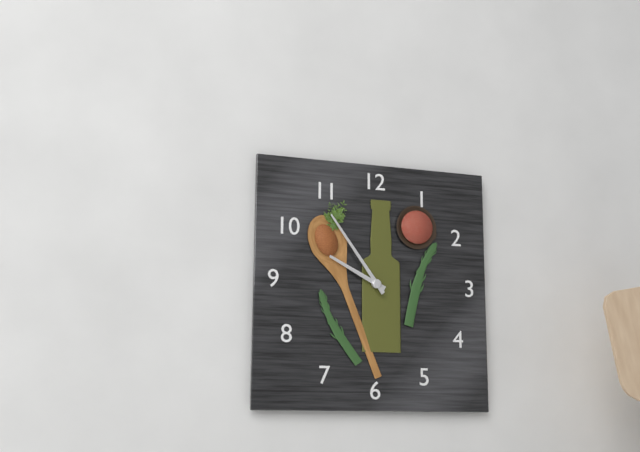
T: 9.54
